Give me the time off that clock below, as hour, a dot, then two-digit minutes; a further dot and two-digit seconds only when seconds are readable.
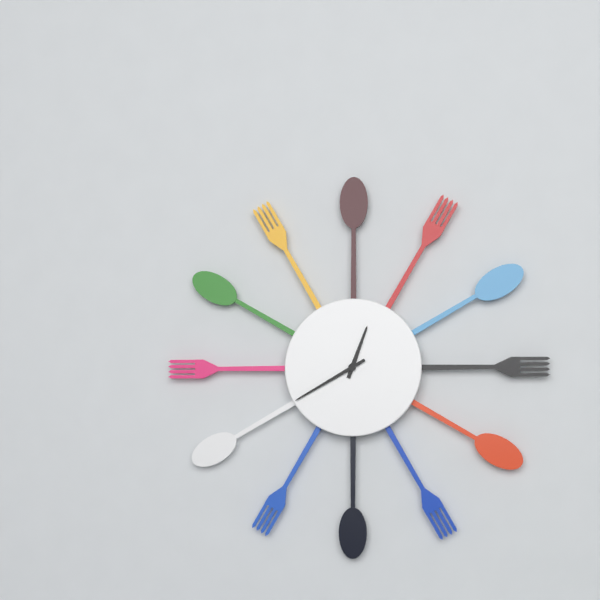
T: 12.40
